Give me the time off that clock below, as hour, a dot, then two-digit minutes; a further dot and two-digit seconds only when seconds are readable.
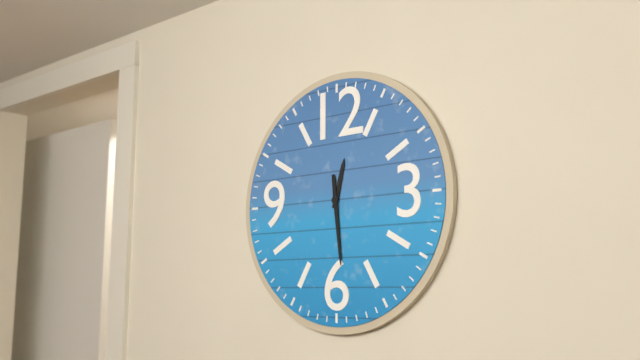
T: 12.29
